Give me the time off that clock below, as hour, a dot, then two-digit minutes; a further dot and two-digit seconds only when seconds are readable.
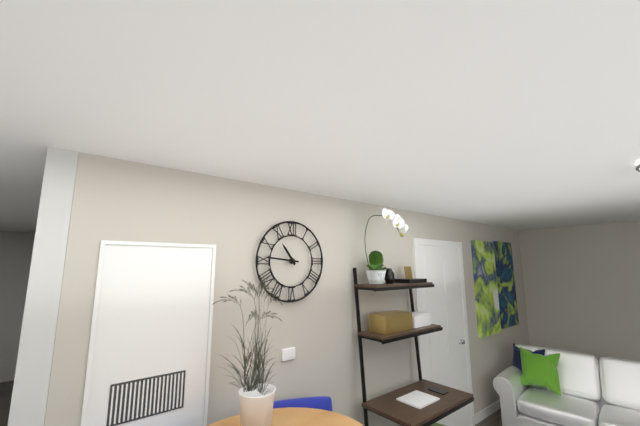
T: 10.46
